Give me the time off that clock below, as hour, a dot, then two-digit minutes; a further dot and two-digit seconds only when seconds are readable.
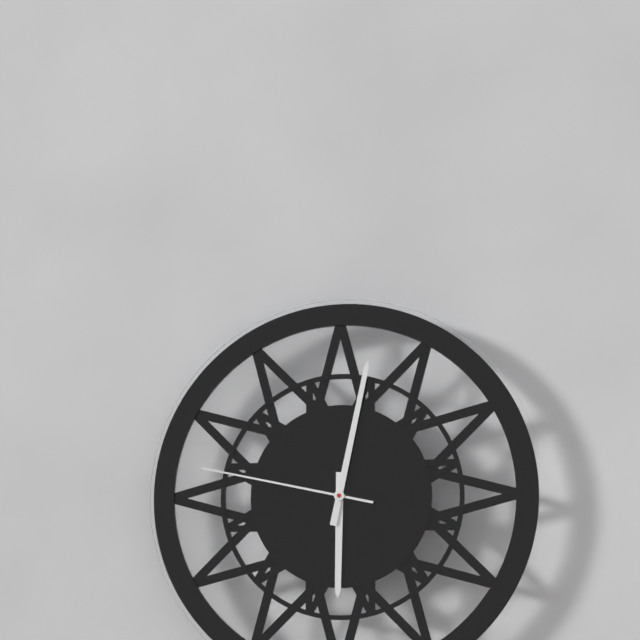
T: 6.02.47
